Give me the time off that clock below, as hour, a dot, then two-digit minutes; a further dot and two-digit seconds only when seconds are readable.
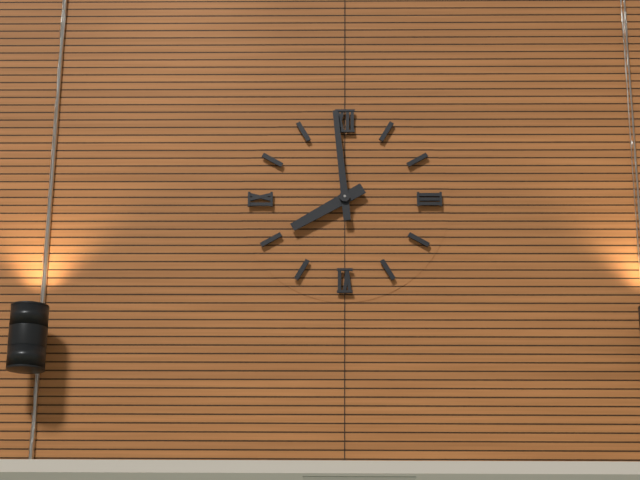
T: 7.59
